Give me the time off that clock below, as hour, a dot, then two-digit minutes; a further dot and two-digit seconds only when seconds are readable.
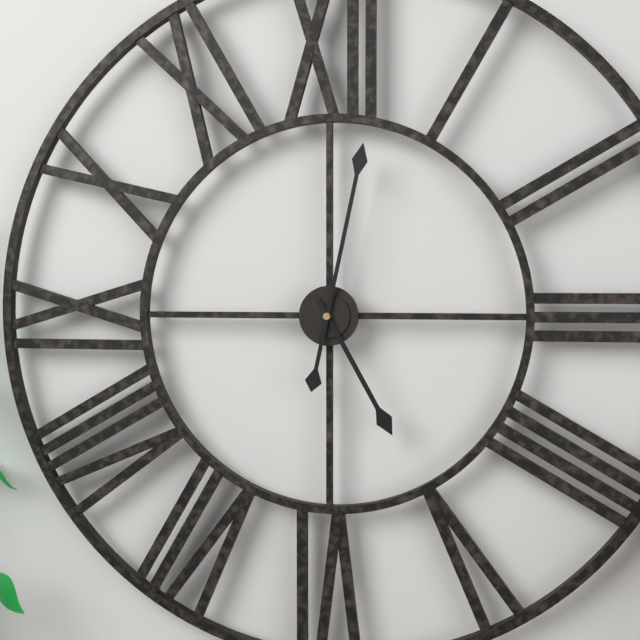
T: 5.02
